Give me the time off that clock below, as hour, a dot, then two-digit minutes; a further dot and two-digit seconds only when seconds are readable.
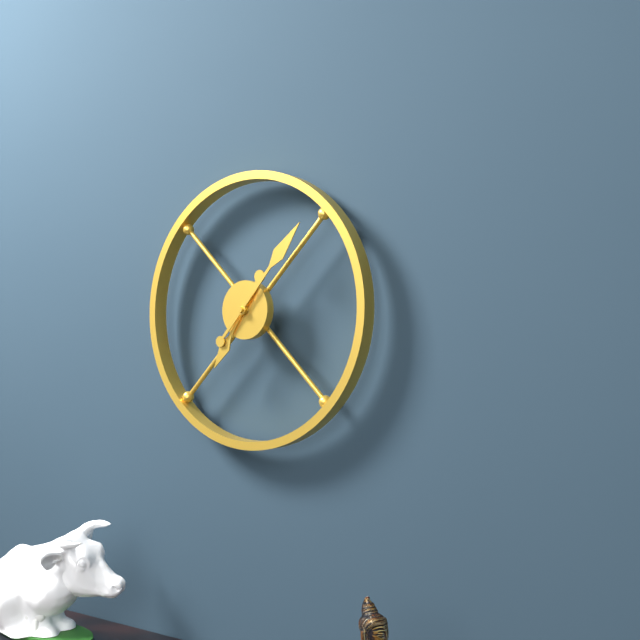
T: 7.07
